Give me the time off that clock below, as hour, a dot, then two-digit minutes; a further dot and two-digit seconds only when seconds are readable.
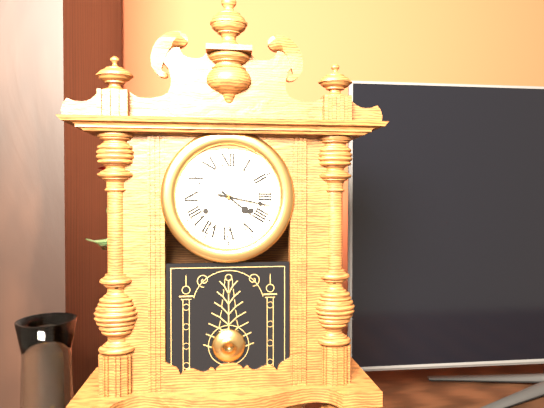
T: 4.17
